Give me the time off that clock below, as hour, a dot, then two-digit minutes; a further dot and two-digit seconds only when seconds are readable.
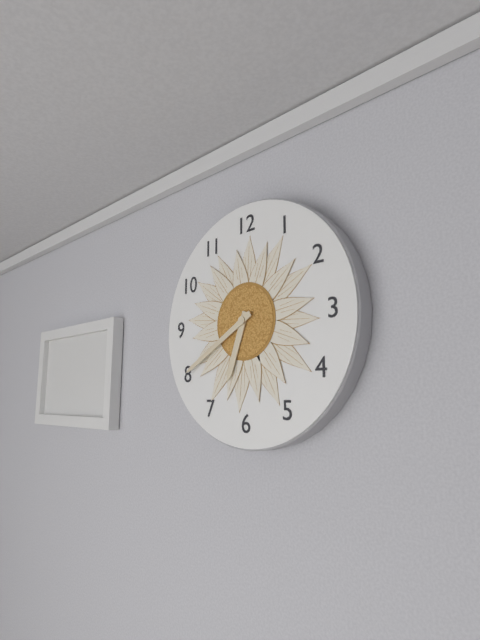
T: 6.40
